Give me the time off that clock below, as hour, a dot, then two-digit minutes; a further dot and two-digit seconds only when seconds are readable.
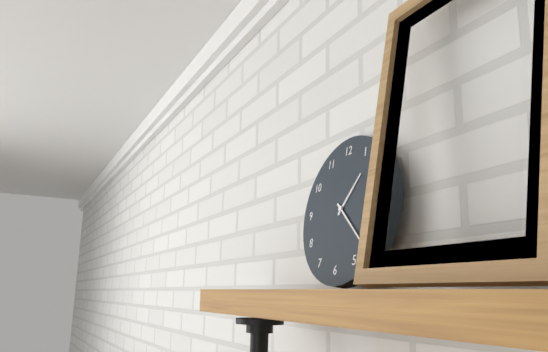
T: 1.22
